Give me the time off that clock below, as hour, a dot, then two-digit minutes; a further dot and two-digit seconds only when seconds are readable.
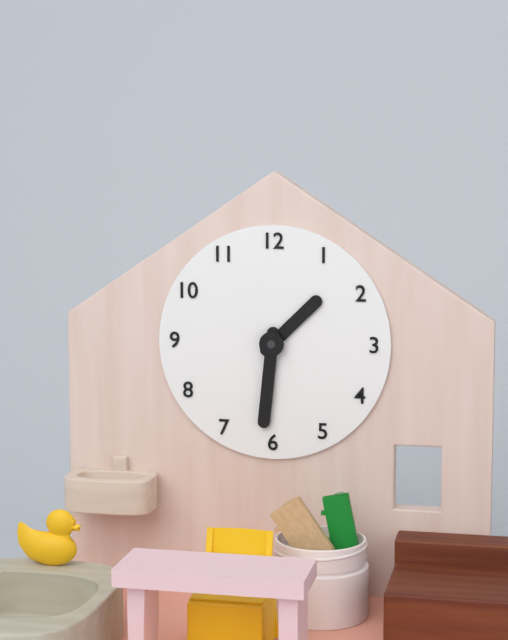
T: 1.31
